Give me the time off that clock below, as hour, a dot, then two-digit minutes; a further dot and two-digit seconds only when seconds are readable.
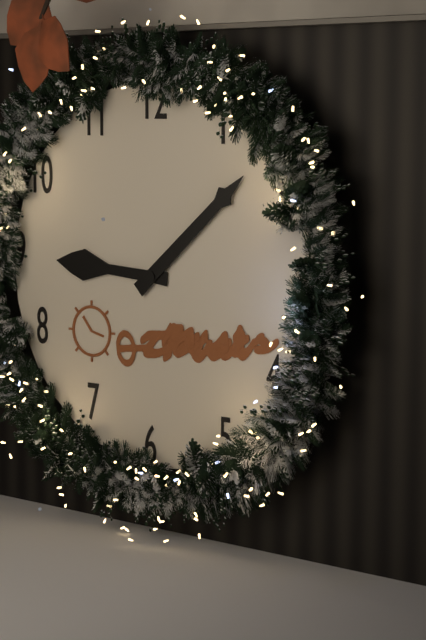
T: 9.08
